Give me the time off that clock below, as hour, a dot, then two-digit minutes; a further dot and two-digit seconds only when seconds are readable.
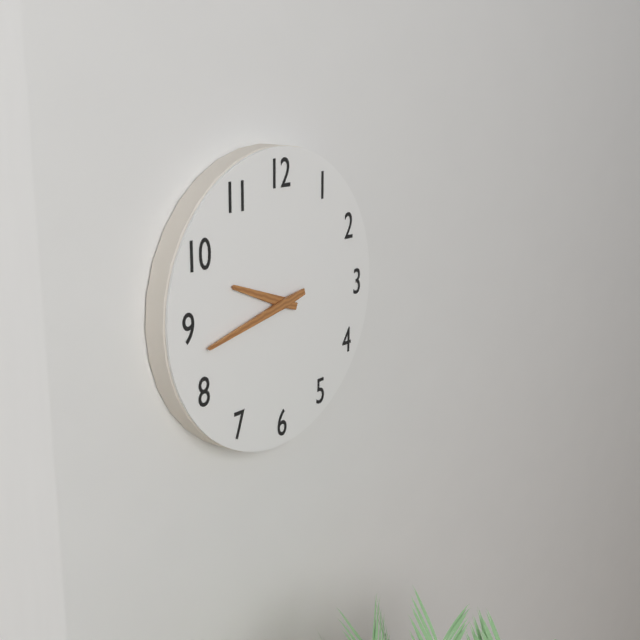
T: 9.43
